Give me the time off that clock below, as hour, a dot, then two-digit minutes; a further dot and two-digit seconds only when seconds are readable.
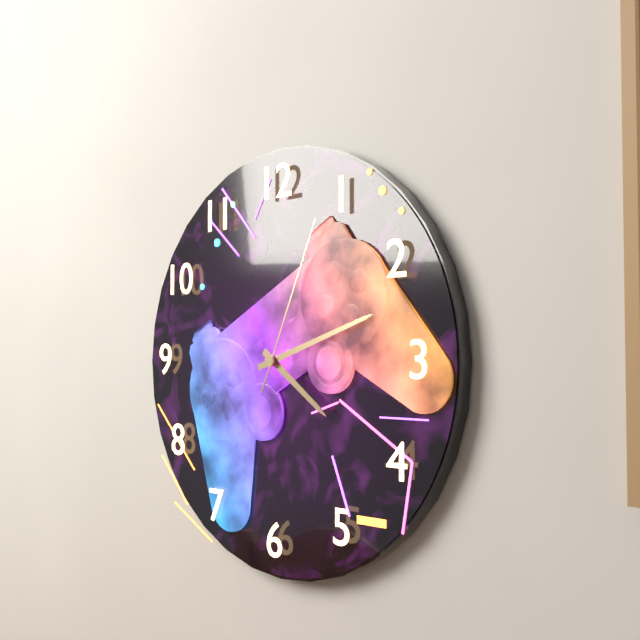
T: 4.12.04
